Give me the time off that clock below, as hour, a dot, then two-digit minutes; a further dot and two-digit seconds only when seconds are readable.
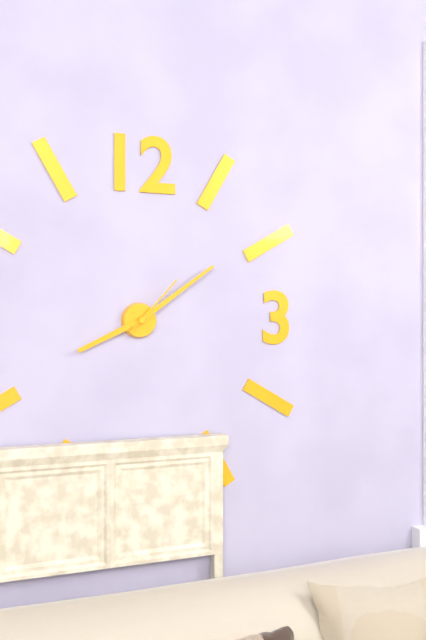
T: 8.09.07
